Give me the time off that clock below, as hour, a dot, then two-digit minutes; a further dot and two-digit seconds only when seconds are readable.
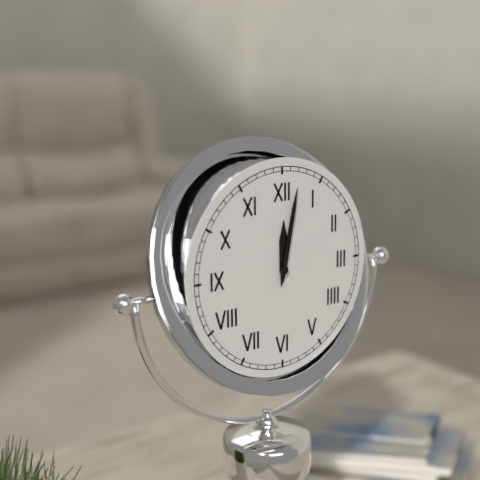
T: 12.02
